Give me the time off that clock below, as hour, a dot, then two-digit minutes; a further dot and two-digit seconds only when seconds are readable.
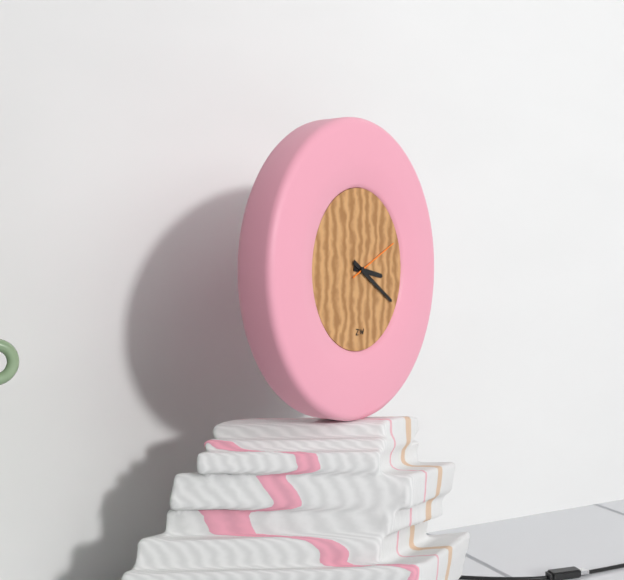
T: 3.20.11
